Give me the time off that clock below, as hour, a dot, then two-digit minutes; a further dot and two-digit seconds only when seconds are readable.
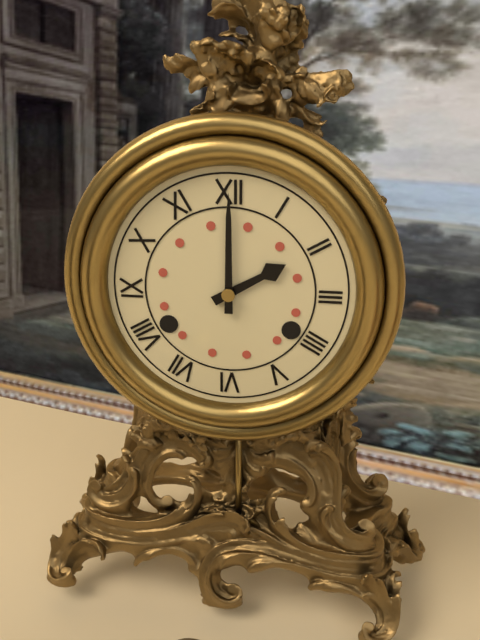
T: 2.00
